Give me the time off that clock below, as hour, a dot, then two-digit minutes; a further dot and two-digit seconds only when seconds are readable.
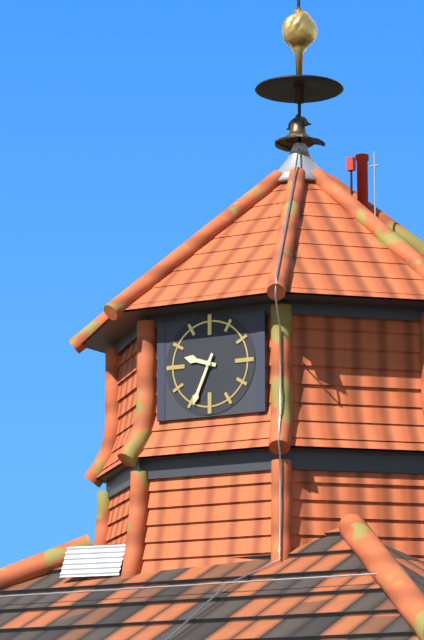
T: 9.34
